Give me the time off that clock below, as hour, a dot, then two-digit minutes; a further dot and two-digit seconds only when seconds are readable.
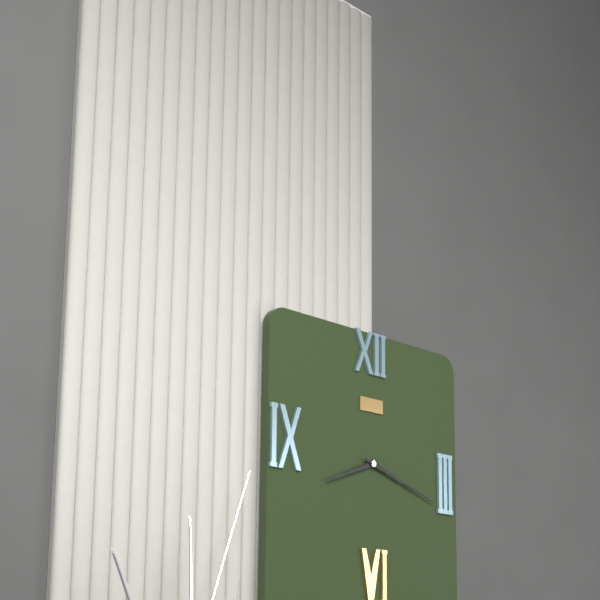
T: 8.18
